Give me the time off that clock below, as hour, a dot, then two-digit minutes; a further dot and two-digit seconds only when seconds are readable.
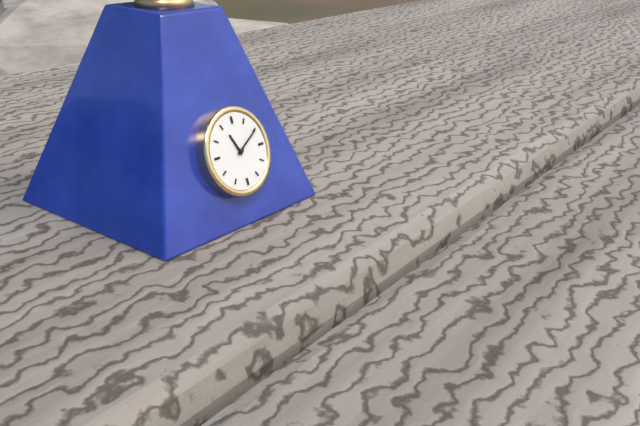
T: 11.10
